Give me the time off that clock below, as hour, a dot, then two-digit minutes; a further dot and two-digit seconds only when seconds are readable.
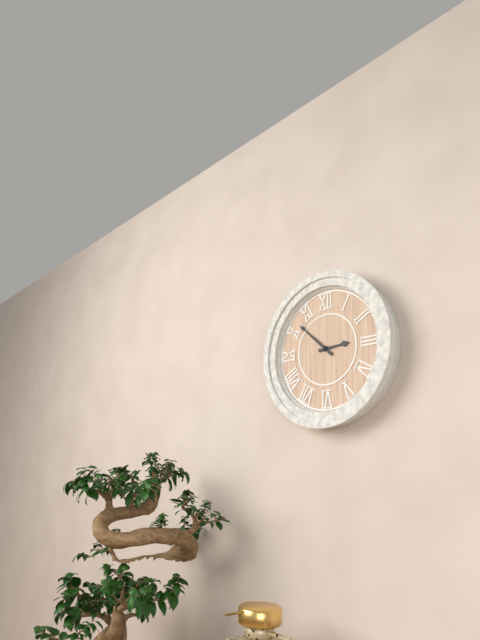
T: 2.52
